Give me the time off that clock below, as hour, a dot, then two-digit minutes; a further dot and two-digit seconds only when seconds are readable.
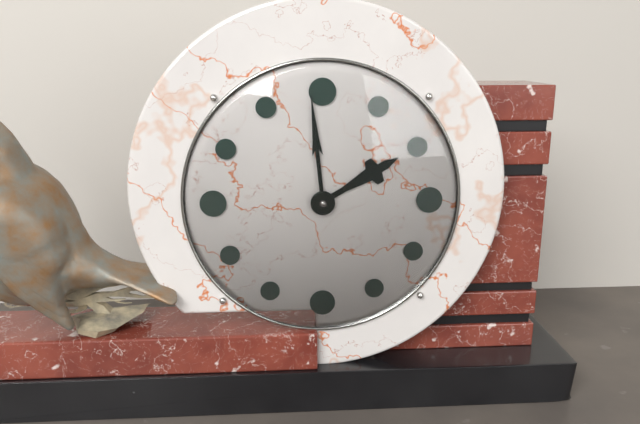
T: 1.59
